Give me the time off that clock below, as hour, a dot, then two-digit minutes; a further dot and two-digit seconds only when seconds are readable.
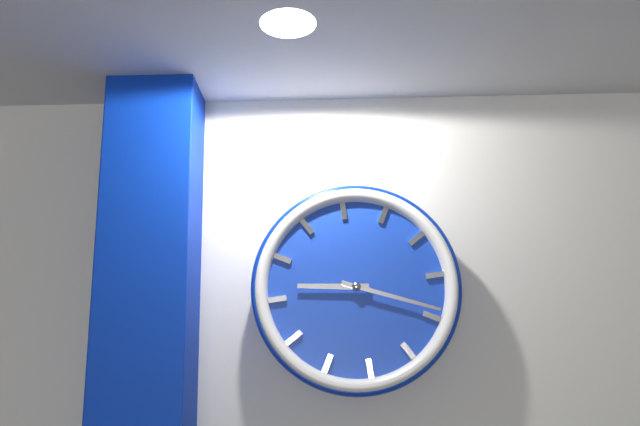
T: 9.19
